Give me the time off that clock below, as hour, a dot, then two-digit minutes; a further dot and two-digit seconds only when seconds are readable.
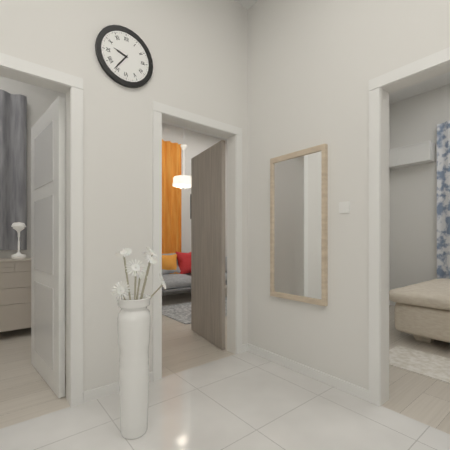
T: 9.36
